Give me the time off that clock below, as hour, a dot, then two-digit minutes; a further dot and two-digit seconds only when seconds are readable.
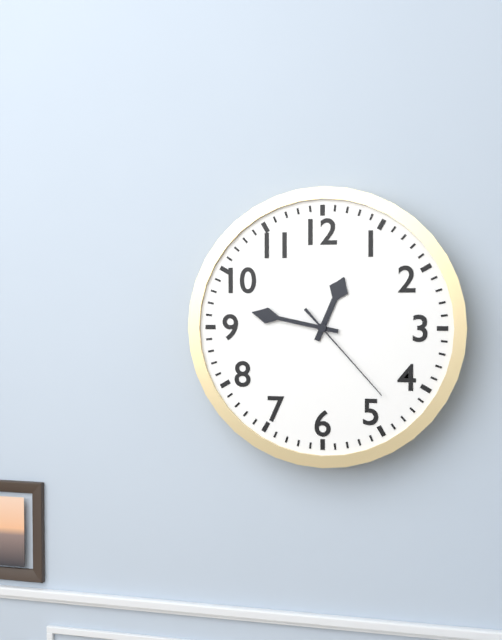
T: 12.47.23
